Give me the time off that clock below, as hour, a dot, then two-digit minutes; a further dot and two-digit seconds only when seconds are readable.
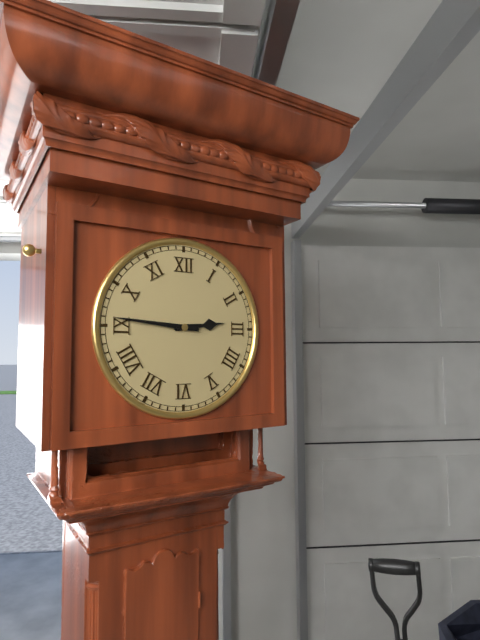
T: 2.46
